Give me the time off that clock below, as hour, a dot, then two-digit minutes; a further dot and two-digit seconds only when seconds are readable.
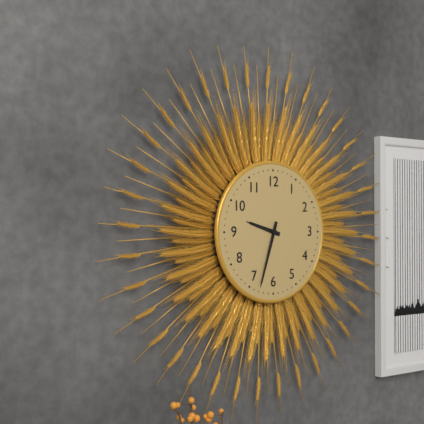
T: 9.33
